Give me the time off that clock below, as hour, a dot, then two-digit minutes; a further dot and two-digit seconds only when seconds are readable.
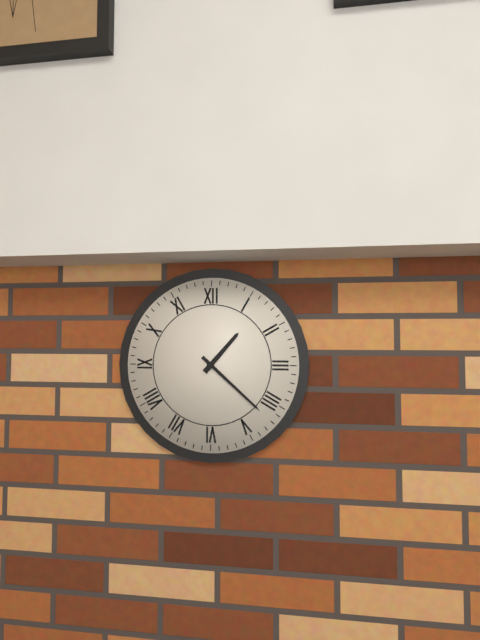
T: 1.22
